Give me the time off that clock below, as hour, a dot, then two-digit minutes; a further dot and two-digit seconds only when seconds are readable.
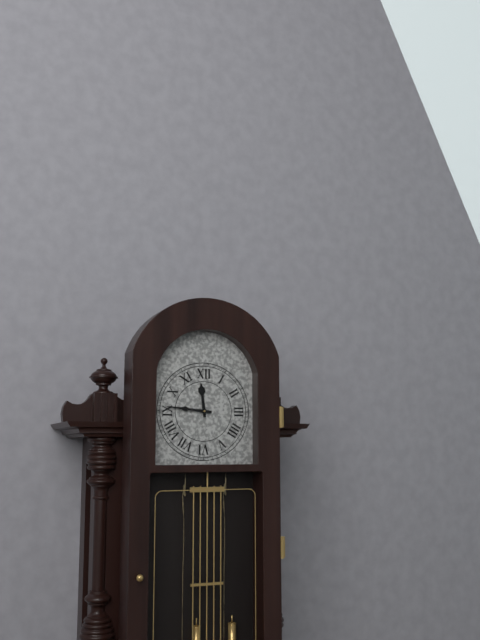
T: 11.46
